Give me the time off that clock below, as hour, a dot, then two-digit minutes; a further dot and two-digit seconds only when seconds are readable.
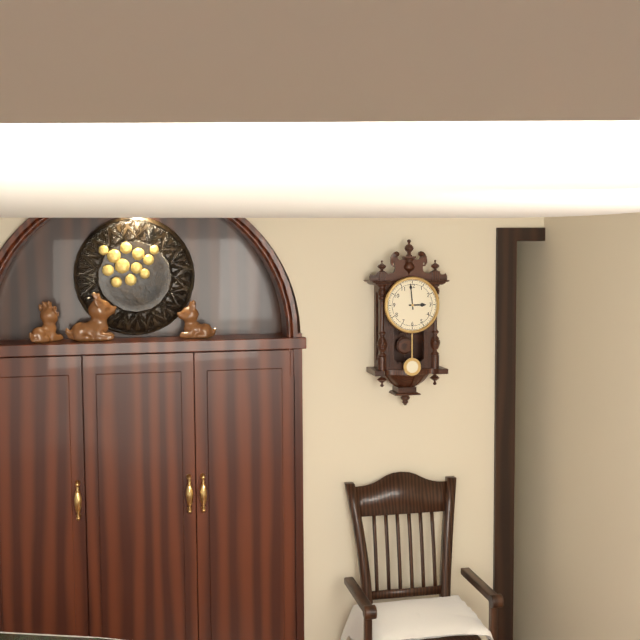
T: 2.59
